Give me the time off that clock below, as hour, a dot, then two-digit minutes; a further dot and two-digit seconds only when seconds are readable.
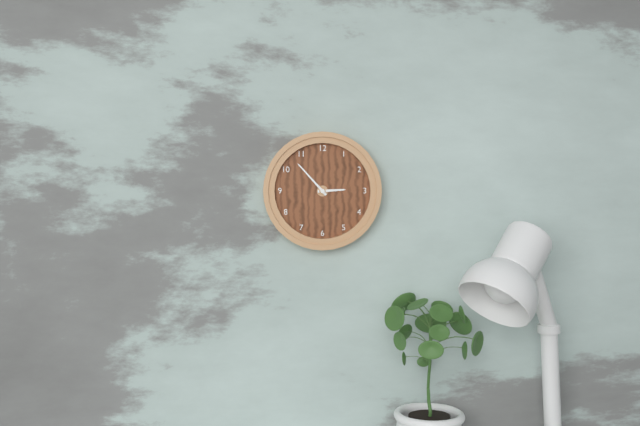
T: 2.53
